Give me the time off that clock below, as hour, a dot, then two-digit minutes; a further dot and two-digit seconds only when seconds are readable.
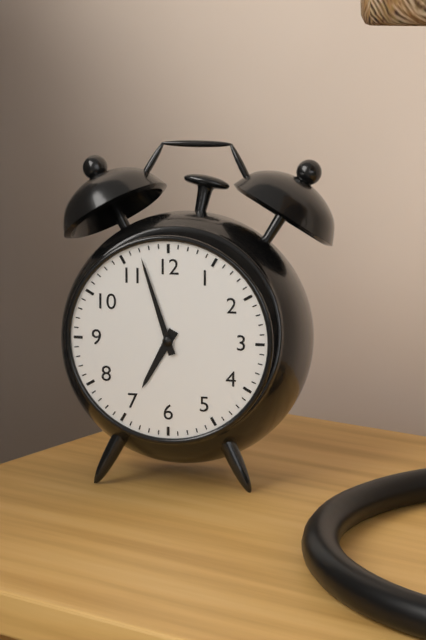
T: 6.57
